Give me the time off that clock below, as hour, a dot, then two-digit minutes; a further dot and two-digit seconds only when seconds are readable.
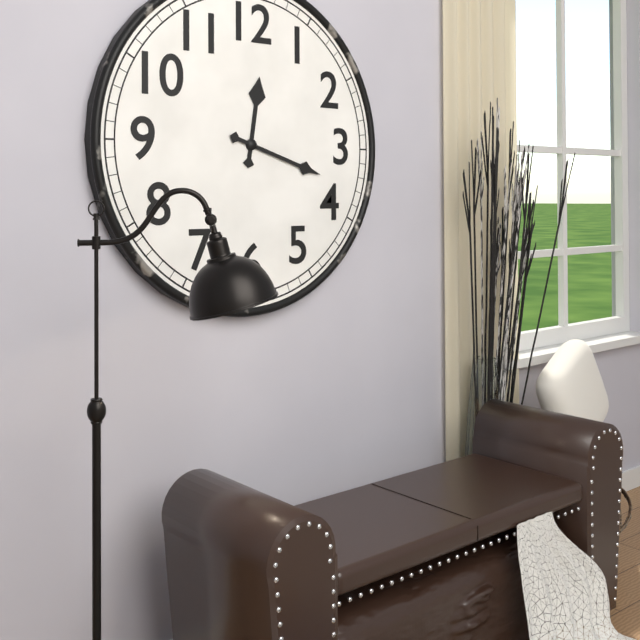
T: 12.18
